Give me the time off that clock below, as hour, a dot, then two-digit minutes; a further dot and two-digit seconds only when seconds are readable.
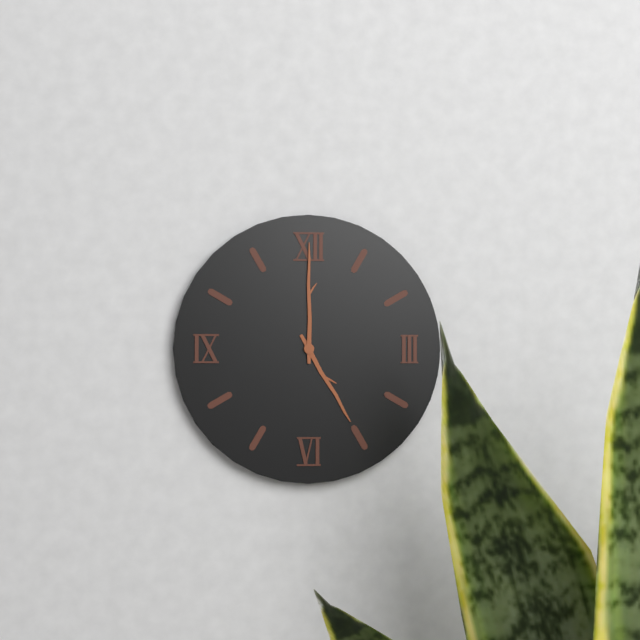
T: 5.00
